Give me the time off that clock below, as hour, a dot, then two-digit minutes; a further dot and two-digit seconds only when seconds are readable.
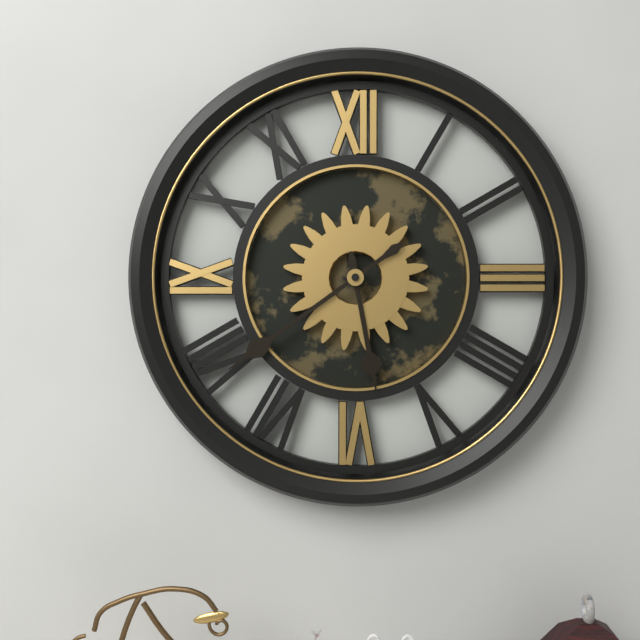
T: 5.39
